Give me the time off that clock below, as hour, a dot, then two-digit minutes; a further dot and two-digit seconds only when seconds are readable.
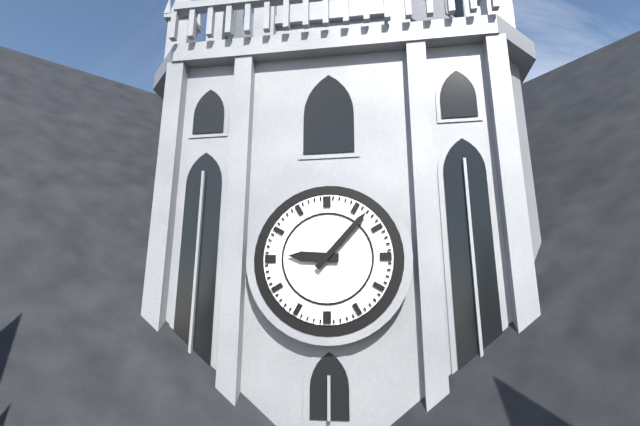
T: 9.07
